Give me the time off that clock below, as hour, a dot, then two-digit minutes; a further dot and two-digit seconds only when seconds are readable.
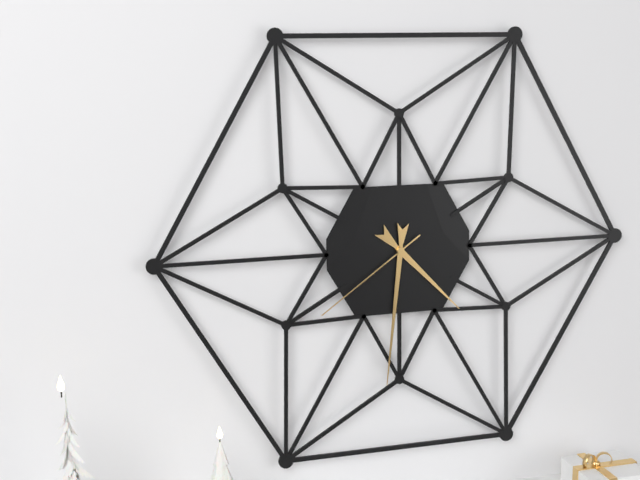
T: 4.31.39
